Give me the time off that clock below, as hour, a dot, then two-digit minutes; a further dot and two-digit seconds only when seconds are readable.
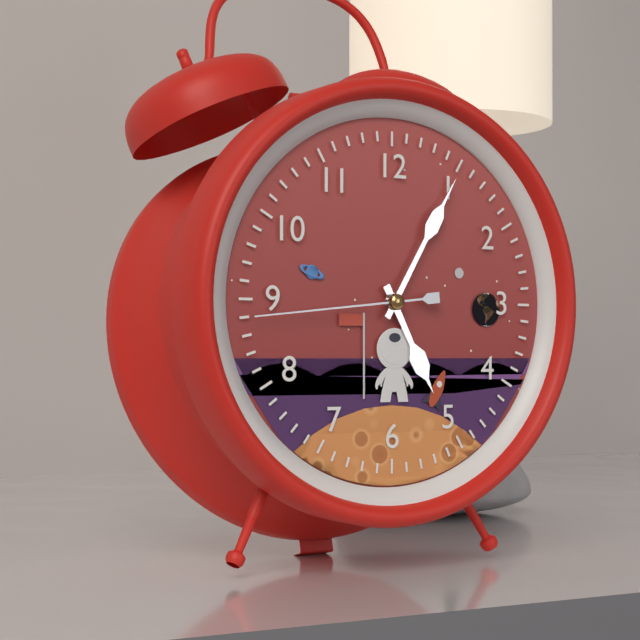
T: 5.05.44
